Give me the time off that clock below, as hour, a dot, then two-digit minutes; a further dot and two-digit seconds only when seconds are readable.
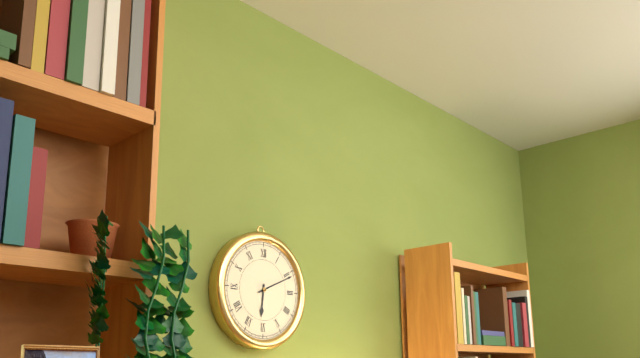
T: 6.11
